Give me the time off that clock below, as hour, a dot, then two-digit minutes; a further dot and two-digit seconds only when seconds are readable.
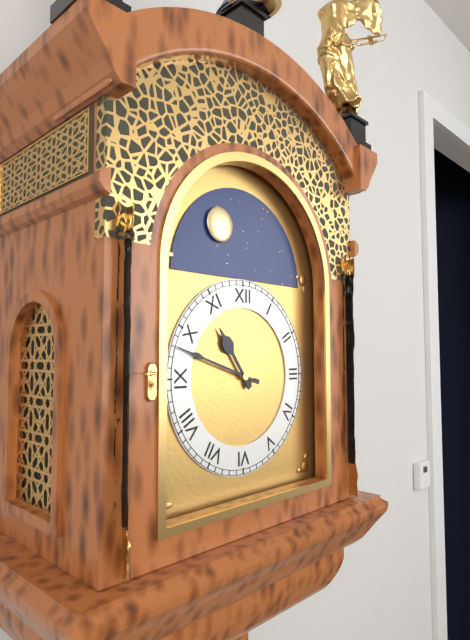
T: 10.48
